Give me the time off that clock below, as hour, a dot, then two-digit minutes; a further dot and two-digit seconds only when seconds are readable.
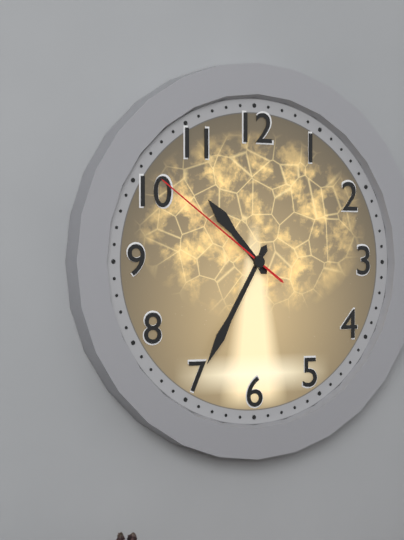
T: 10.35.51
